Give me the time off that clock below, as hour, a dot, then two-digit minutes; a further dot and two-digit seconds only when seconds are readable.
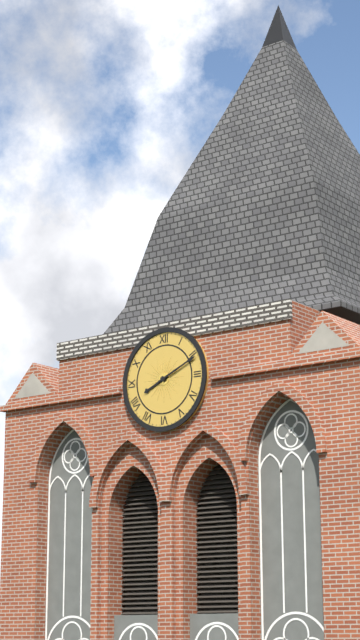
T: 8.11
